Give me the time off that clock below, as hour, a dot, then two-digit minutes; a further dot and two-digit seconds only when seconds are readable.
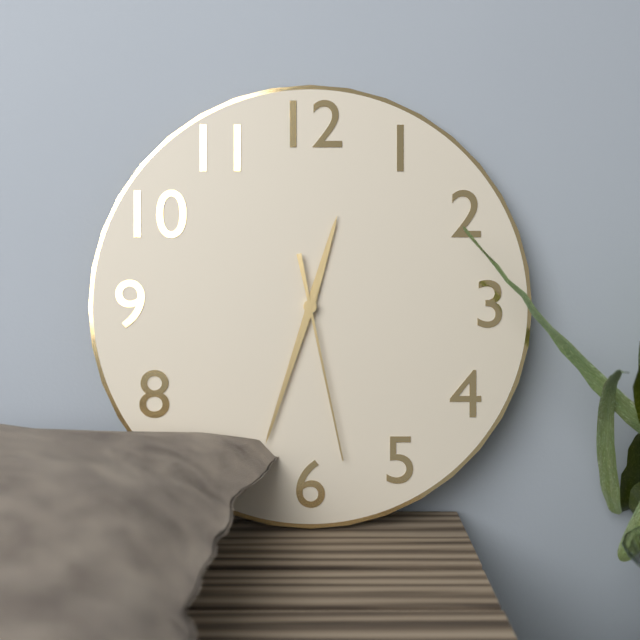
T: 12.33.28
